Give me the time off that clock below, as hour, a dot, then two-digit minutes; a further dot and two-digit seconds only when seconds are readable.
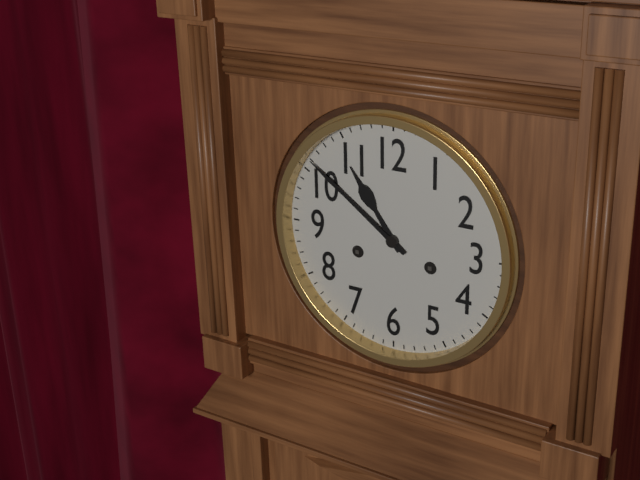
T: 10.51
